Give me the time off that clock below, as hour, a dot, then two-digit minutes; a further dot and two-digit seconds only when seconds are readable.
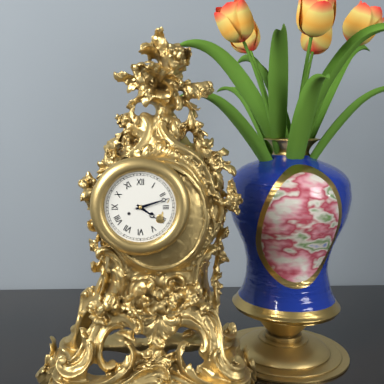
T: 4.12
